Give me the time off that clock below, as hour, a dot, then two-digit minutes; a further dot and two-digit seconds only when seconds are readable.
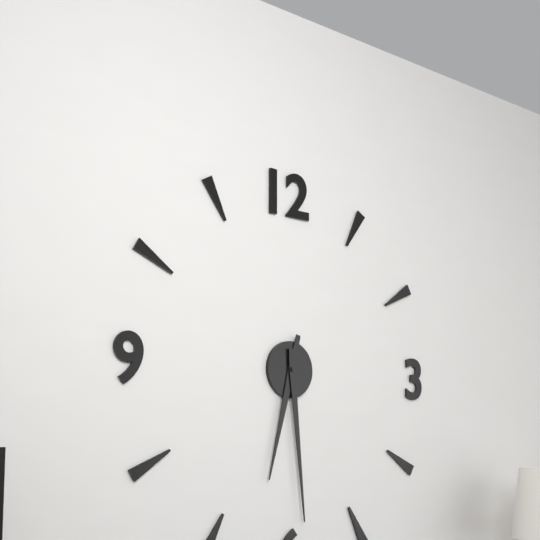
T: 6.29
